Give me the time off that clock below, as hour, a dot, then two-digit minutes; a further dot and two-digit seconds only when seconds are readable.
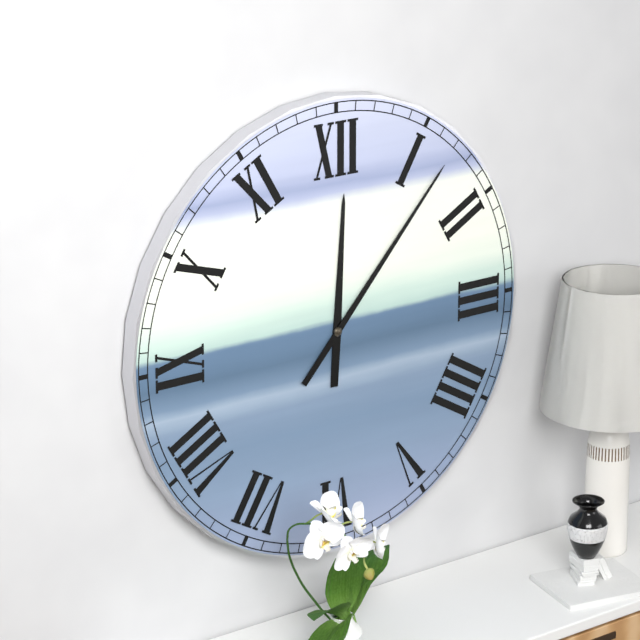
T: 12.07
